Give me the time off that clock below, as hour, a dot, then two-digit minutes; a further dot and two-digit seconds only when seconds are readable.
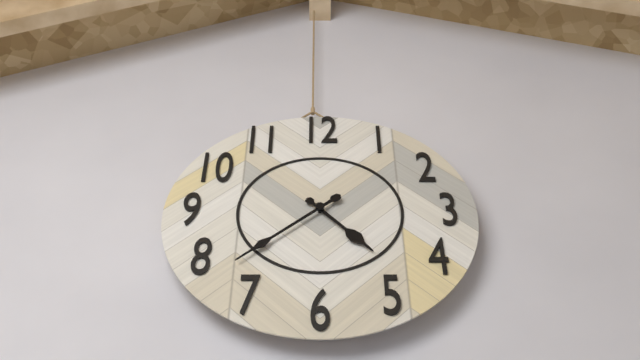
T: 4.38
